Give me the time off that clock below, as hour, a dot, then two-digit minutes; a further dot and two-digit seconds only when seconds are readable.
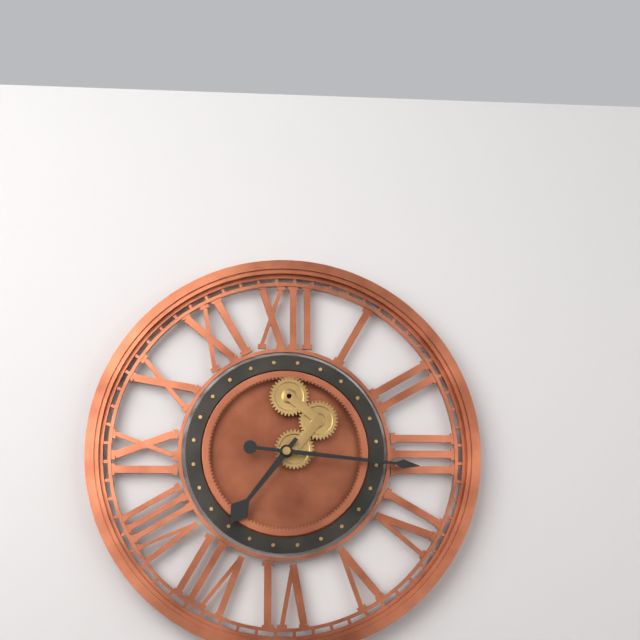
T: 7.16
